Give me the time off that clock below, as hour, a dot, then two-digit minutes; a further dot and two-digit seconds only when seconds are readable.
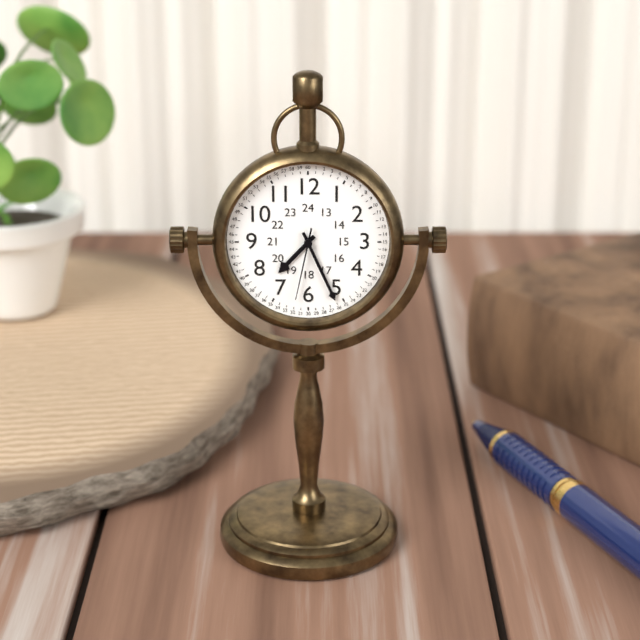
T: 7.26.32
